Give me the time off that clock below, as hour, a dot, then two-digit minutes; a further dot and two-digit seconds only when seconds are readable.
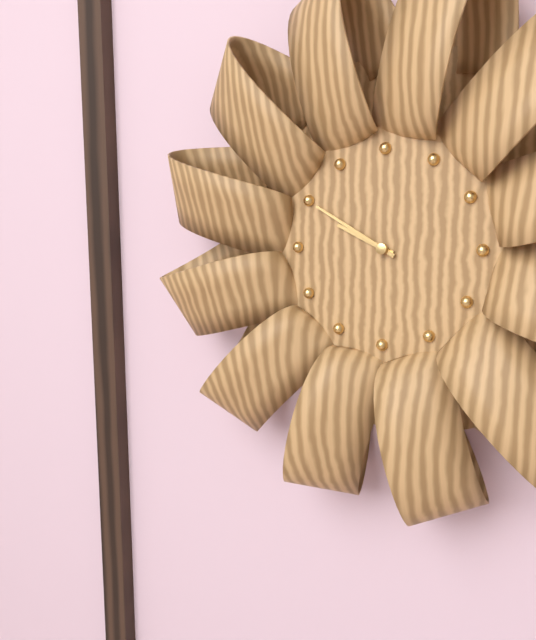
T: 9.50
